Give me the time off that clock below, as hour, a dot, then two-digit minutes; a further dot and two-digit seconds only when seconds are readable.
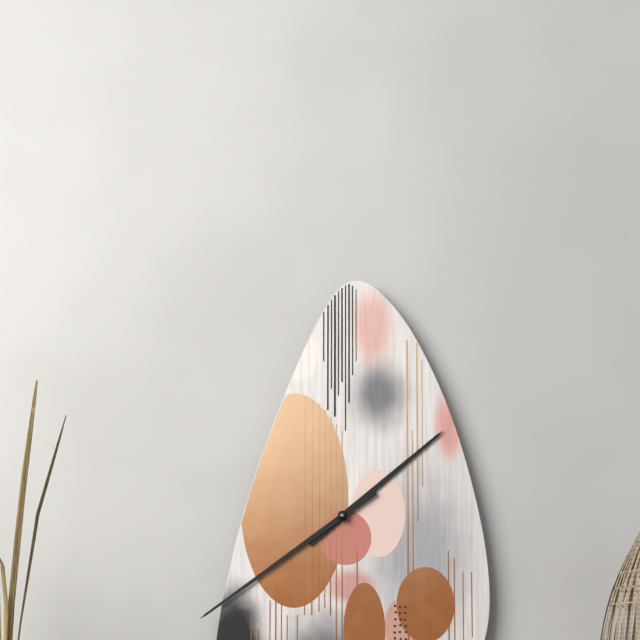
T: 1.39
